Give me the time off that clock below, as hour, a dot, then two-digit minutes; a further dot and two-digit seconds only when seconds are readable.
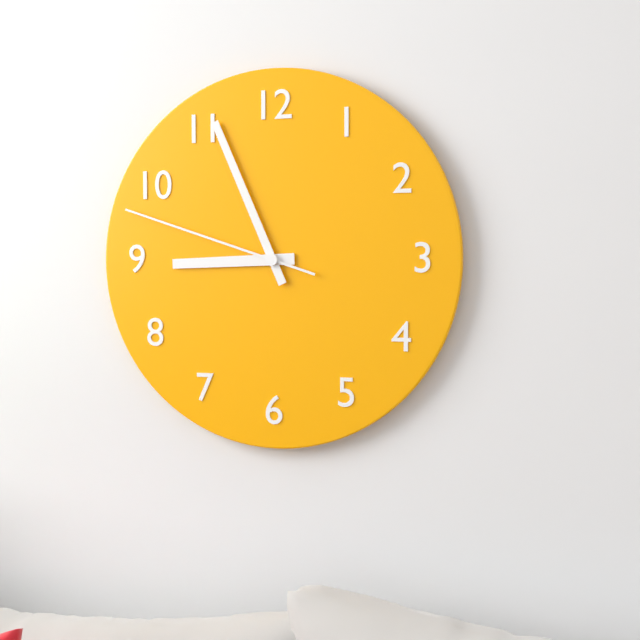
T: 8.56.48
